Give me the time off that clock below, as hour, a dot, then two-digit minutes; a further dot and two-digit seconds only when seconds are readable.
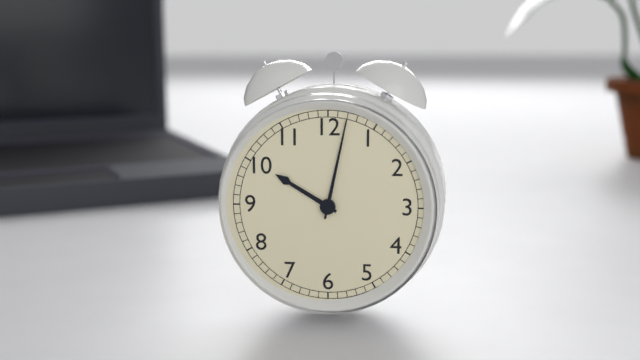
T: 10.02
